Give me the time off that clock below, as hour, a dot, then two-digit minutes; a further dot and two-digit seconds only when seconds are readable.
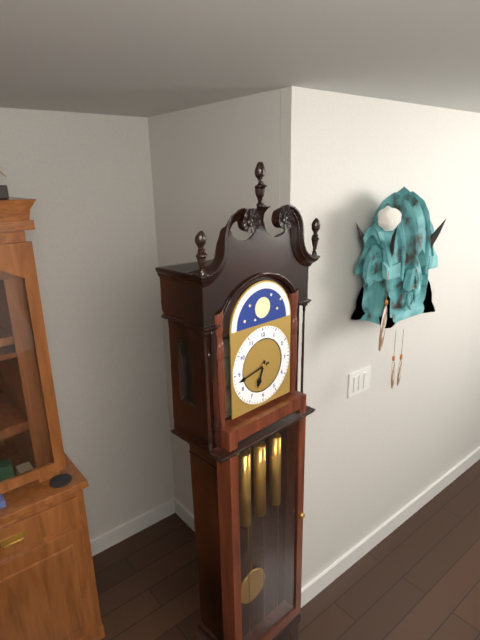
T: 6.43
